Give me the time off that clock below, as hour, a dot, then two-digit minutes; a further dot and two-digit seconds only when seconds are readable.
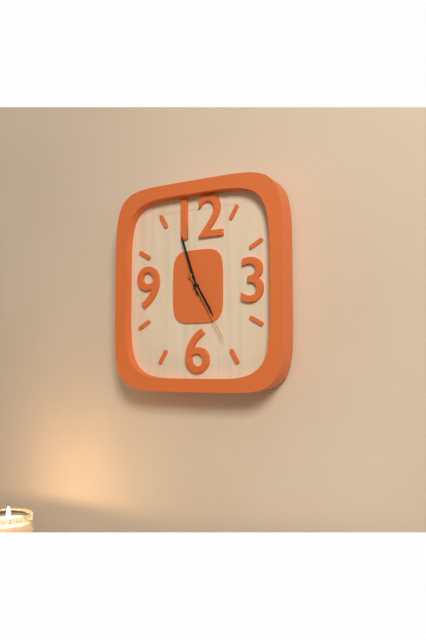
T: 4.57.25
